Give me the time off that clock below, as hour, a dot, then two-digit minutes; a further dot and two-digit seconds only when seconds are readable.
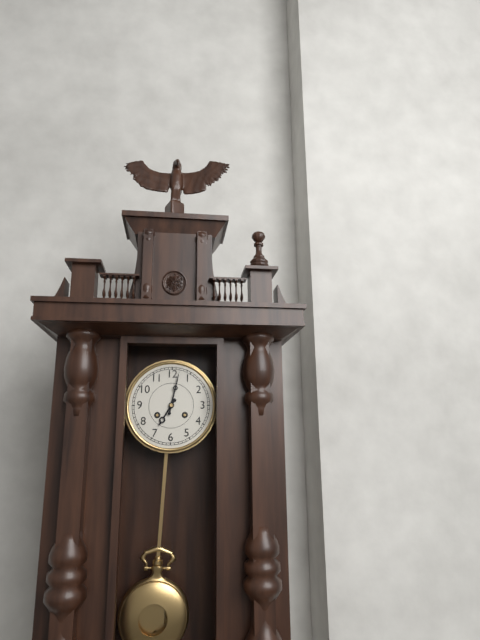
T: 7.02
